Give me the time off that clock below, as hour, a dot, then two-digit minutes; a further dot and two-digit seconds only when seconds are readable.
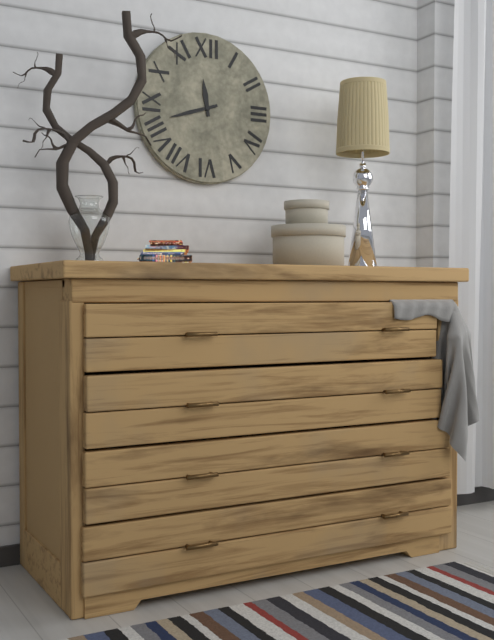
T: 11.42
